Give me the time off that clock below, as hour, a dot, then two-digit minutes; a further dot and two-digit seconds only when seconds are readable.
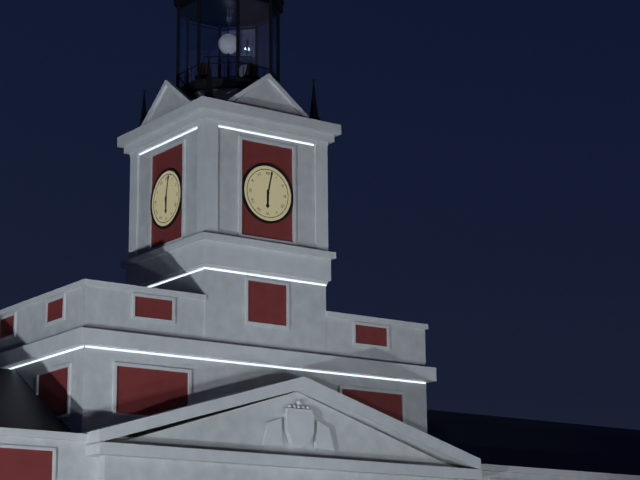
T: 6.02
